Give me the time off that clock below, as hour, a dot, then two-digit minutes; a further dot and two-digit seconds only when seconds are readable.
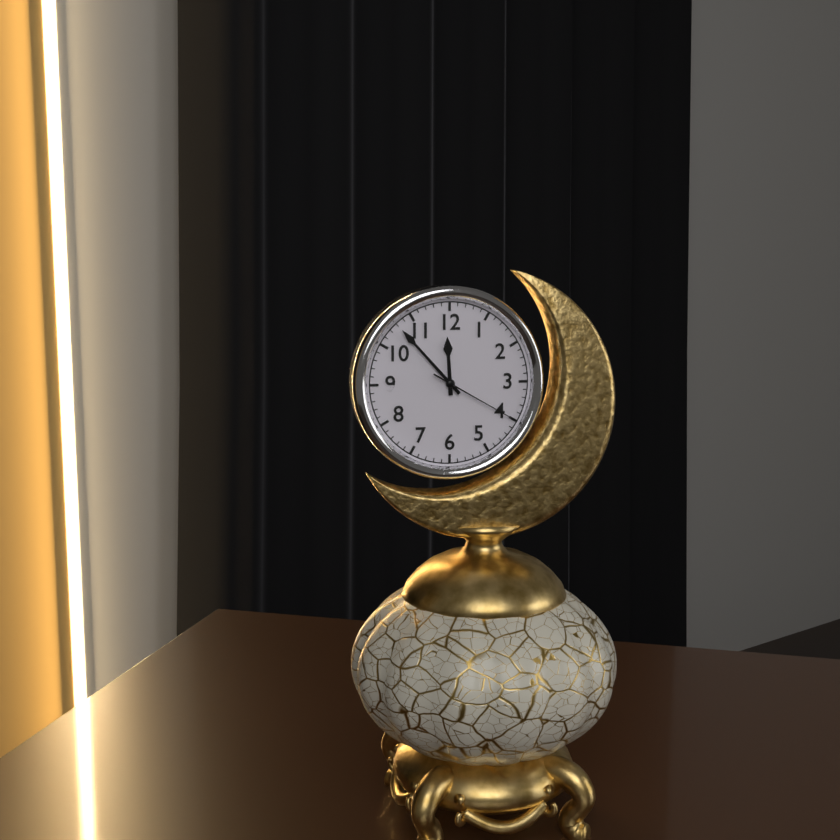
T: 11.53.20
